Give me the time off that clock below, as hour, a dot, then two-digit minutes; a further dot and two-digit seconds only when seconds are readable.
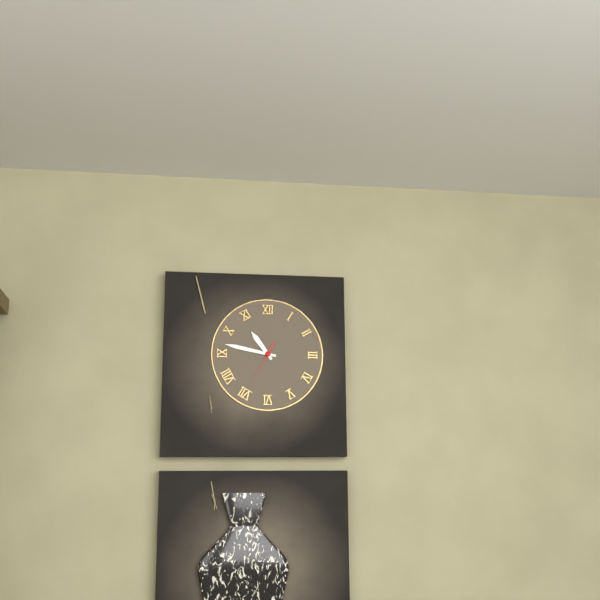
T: 10.47
